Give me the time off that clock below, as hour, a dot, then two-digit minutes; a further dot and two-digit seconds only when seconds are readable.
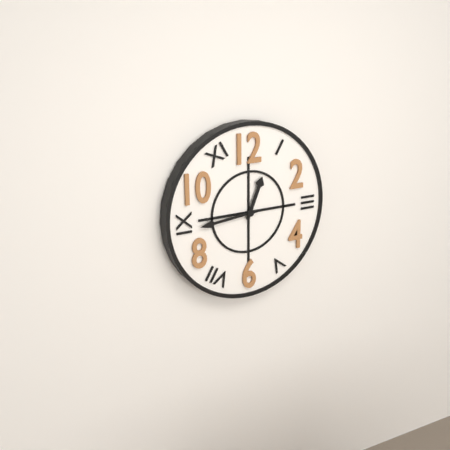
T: 12.44
